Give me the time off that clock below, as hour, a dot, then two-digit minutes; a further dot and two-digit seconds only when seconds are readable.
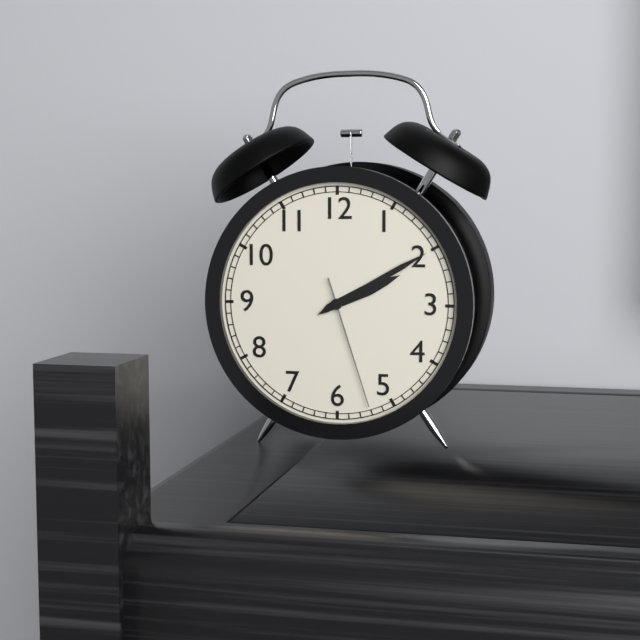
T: 2.10.27
